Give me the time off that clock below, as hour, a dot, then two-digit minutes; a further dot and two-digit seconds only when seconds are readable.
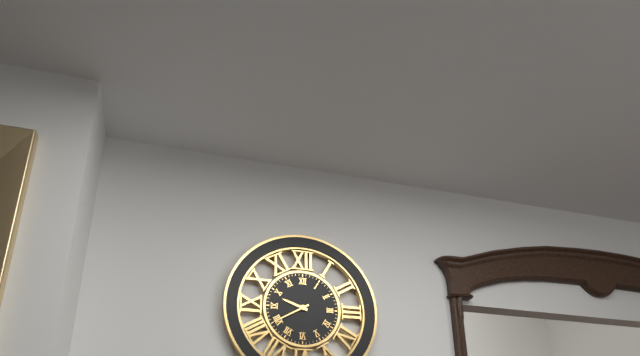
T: 9.40
